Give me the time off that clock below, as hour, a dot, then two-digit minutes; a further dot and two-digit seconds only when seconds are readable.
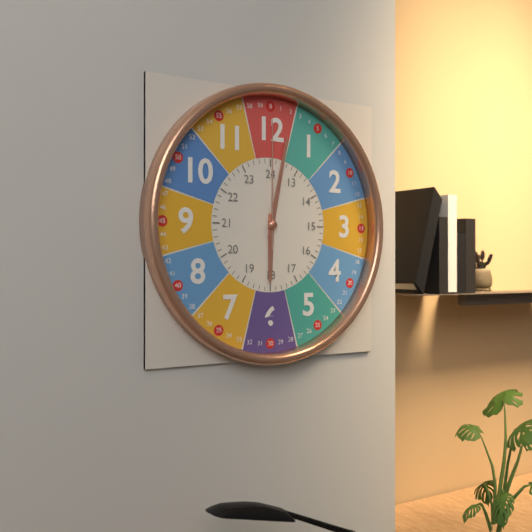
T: 6.02.00
